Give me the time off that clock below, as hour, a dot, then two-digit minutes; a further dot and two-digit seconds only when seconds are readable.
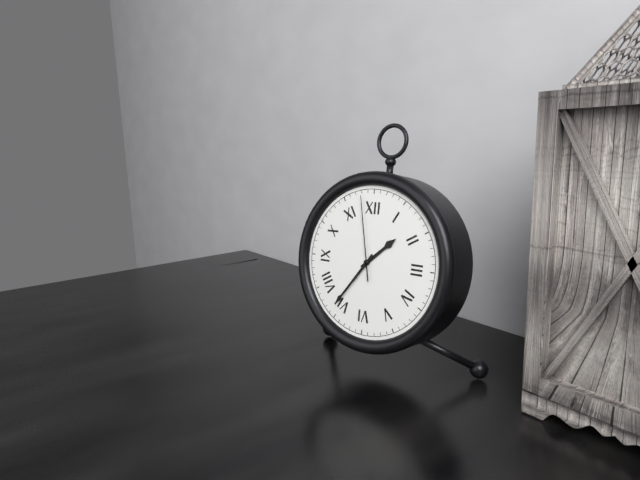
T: 1.36.58
